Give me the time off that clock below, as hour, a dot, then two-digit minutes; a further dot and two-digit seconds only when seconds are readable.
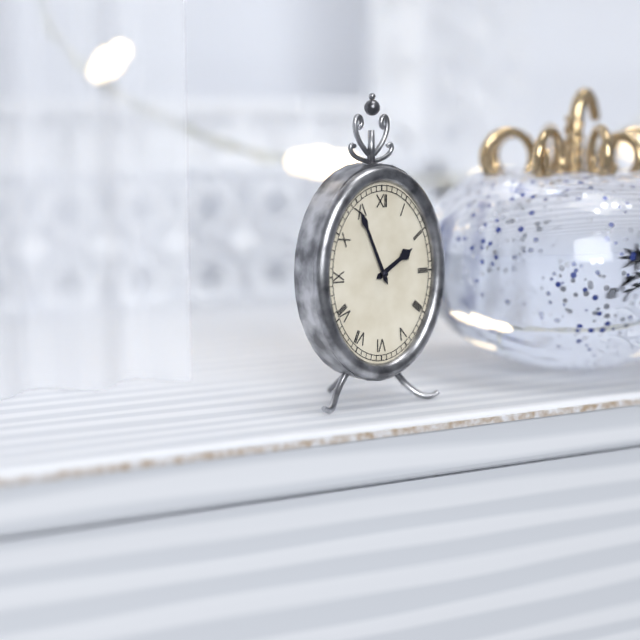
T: 1.56
